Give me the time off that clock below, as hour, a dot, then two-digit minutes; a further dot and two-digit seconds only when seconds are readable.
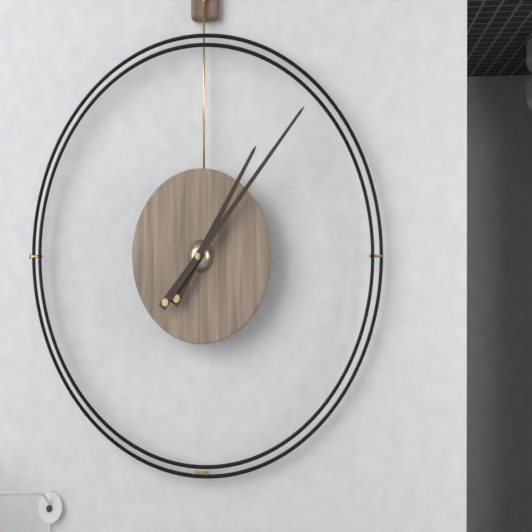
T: 1.07
